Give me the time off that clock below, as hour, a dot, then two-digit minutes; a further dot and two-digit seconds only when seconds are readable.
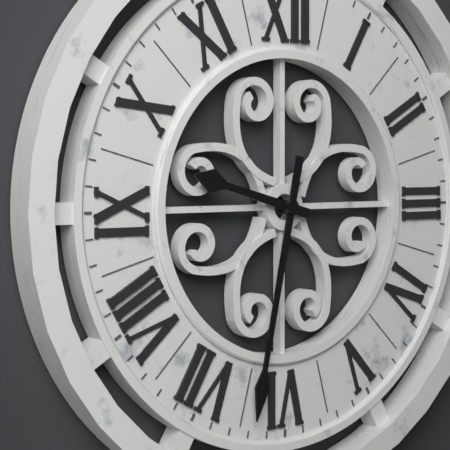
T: 9.32
